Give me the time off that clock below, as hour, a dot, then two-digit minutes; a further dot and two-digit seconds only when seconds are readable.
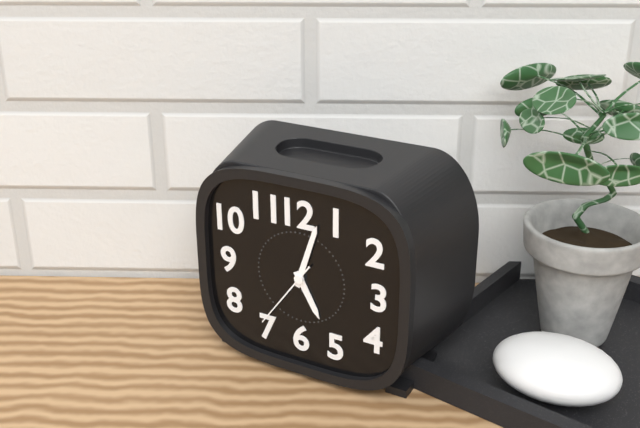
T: 5.03.36
